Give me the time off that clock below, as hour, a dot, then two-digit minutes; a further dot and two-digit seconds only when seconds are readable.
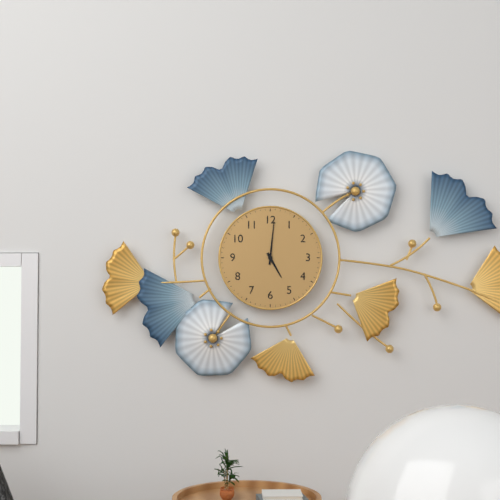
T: 5.01
